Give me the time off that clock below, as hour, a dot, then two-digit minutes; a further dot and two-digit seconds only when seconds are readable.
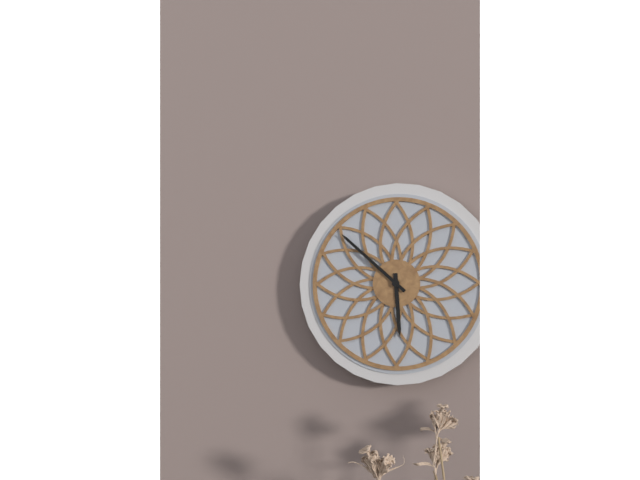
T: 5.52
